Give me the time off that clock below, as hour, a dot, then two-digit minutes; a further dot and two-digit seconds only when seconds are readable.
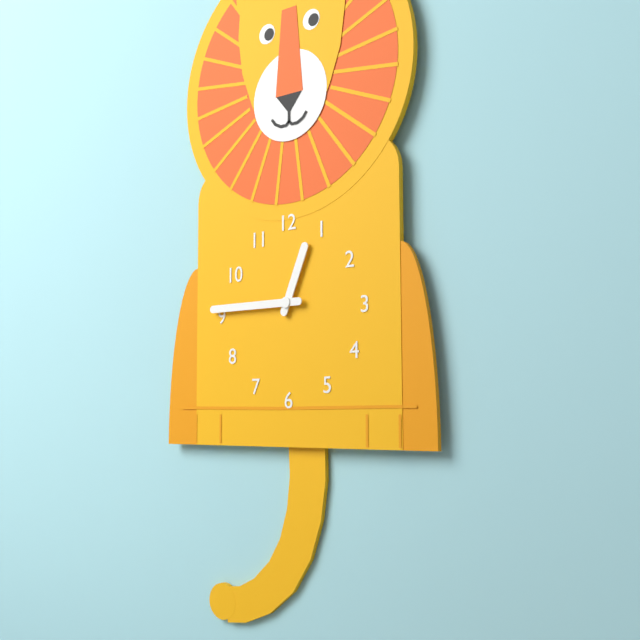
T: 12.45
